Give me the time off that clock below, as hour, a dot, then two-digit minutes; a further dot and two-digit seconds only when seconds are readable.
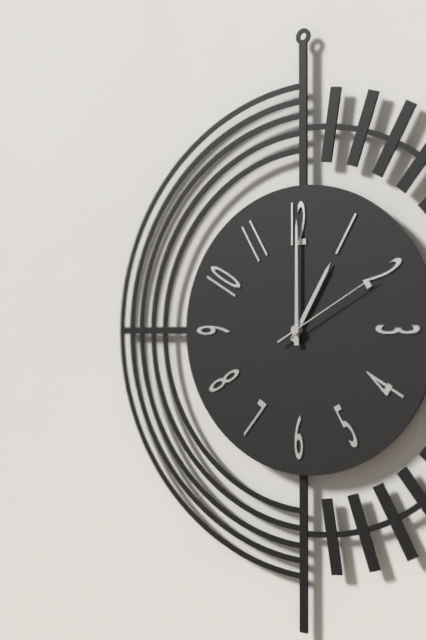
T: 1.00.10
